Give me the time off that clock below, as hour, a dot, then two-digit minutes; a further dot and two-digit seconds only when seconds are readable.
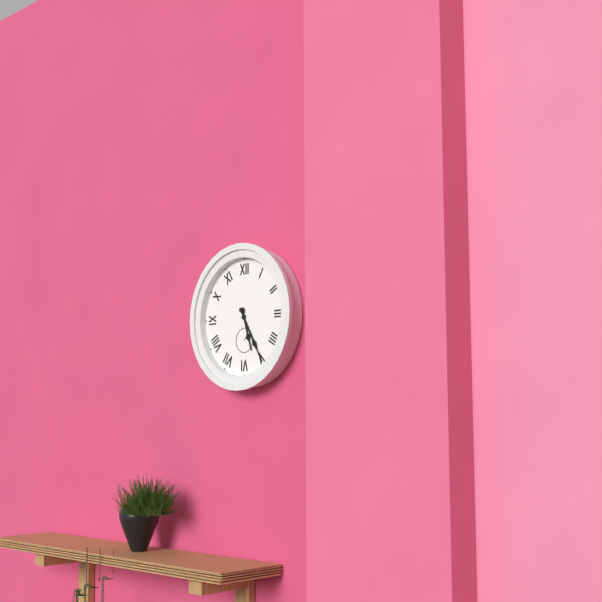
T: 5.25
